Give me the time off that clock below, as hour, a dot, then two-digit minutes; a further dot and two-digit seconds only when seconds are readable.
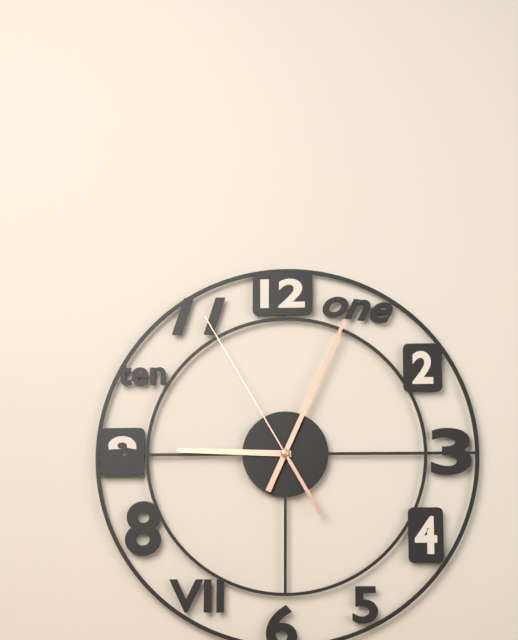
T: 9.04.55
